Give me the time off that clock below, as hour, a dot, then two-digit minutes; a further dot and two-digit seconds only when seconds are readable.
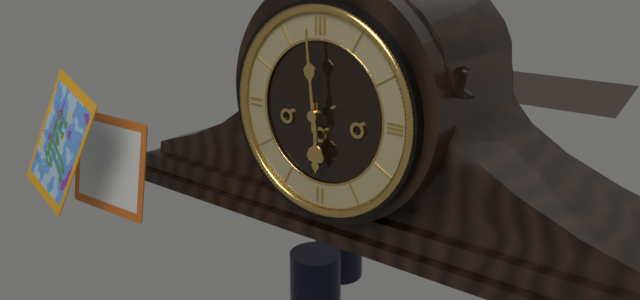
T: 5.59
